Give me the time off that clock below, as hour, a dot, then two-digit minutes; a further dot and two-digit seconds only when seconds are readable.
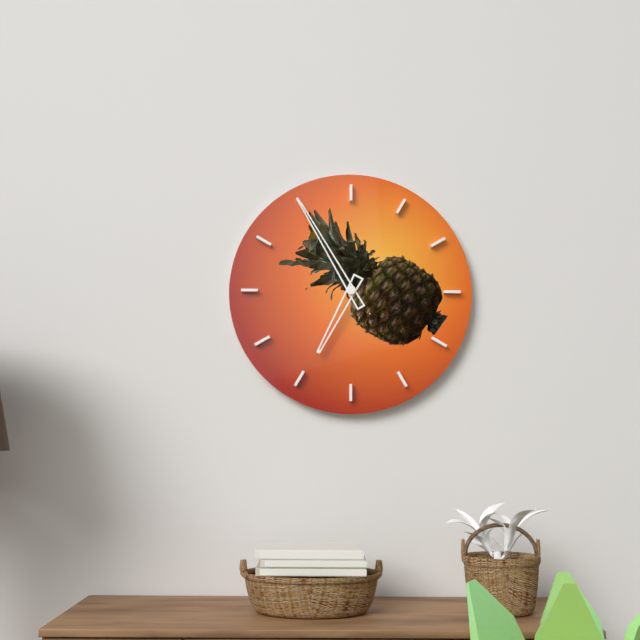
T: 6.55
